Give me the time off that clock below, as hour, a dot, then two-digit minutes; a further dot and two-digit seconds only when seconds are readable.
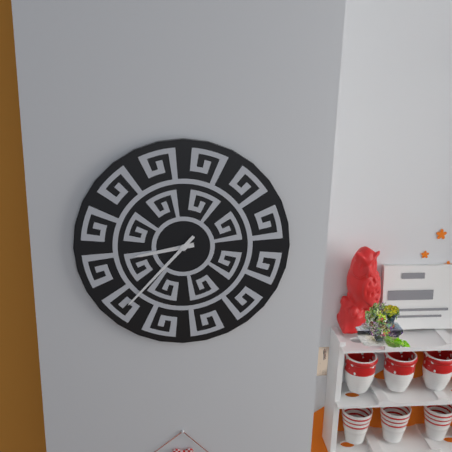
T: 8.37
